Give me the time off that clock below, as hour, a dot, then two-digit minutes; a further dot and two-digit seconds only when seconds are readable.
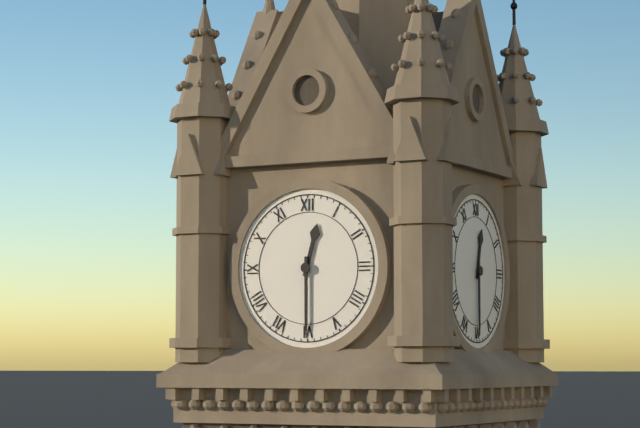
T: 12.30
